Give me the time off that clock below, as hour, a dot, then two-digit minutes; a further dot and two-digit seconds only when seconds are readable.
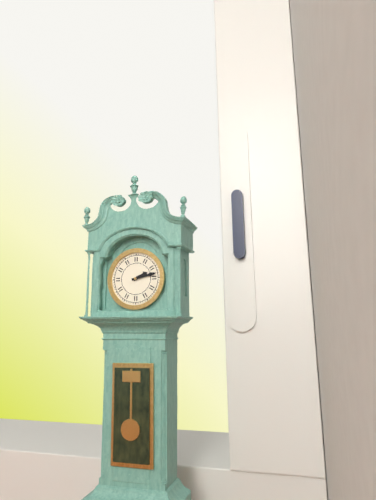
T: 2.13
